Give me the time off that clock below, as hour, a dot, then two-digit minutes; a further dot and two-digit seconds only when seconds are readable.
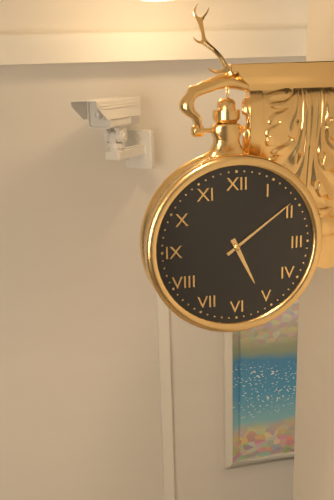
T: 5.09
